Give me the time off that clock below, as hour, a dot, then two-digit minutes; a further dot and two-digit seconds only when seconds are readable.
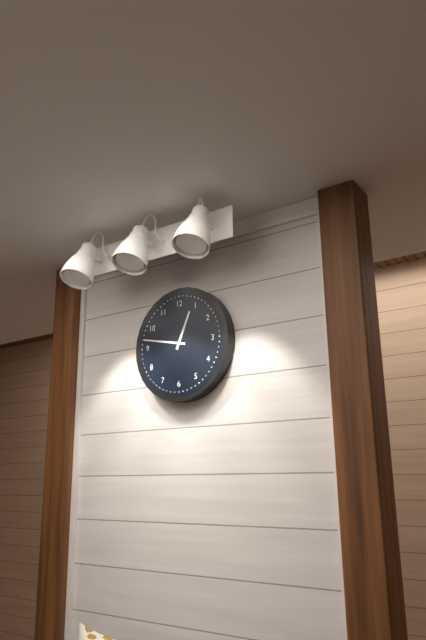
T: 12.47
